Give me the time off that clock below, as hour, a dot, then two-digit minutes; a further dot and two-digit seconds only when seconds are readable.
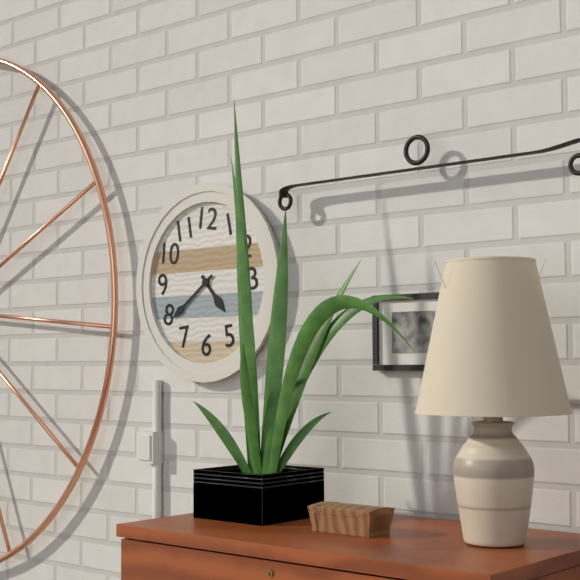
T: 4.39
